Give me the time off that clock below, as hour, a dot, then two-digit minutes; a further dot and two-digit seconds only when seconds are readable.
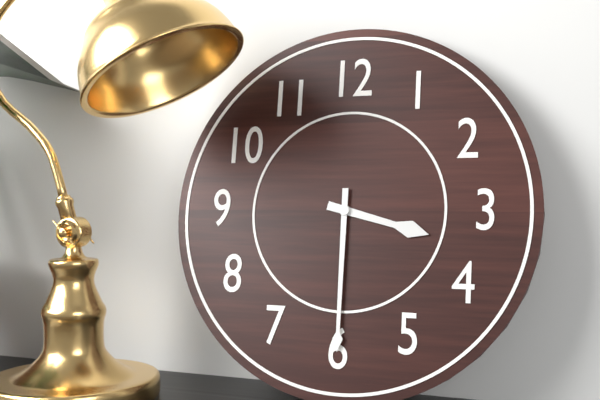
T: 3.30
